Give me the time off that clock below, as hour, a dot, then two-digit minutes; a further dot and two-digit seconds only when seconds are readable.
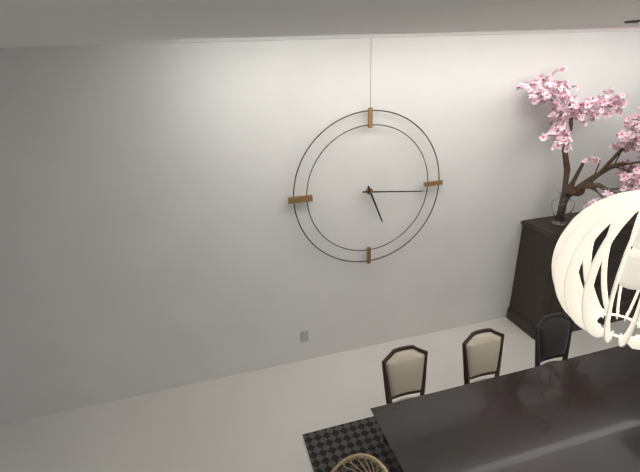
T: 5.16
